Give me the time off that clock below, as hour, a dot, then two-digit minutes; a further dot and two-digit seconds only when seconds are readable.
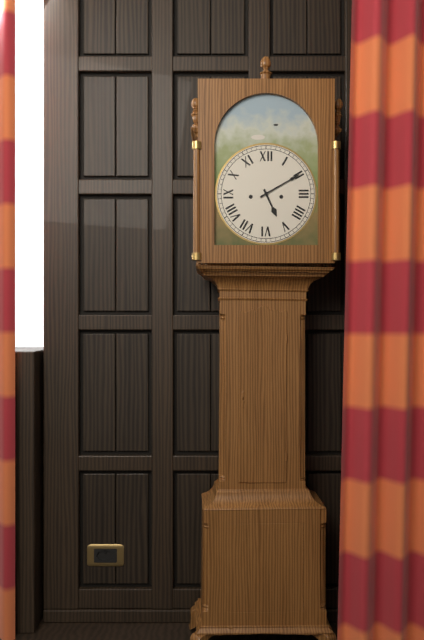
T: 5.10
